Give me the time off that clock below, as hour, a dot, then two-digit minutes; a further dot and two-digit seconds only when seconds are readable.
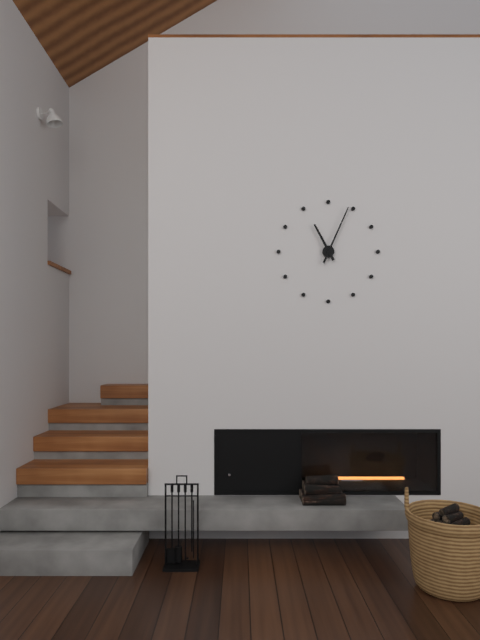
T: 11.04
